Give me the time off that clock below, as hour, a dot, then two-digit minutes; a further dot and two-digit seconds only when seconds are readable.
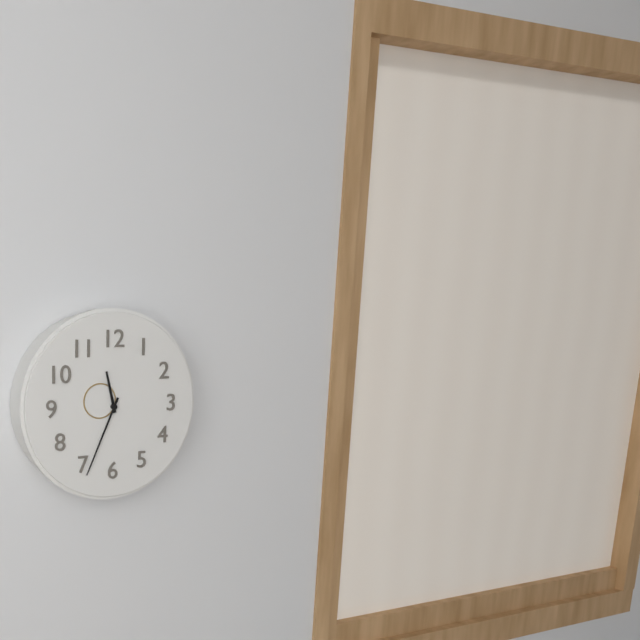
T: 11.34
